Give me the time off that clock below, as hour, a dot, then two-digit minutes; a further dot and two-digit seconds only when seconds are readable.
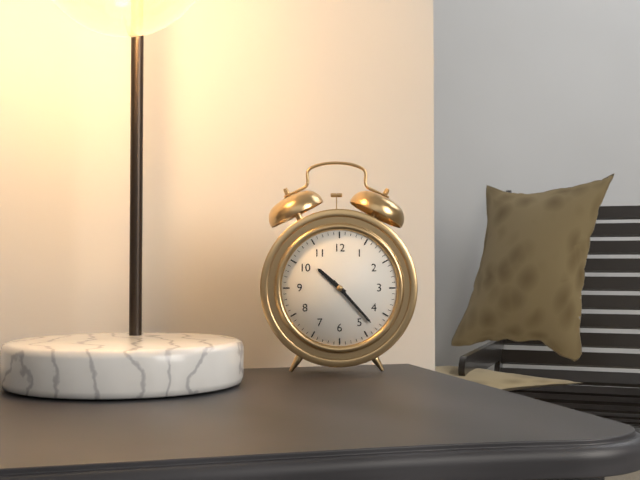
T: 10.23
